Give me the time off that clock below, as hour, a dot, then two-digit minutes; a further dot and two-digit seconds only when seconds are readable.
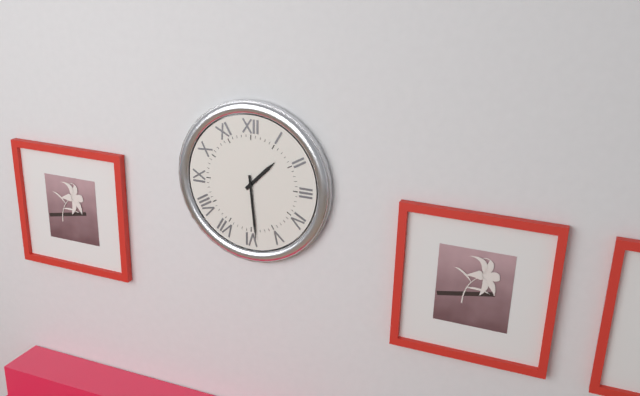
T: 1.29
